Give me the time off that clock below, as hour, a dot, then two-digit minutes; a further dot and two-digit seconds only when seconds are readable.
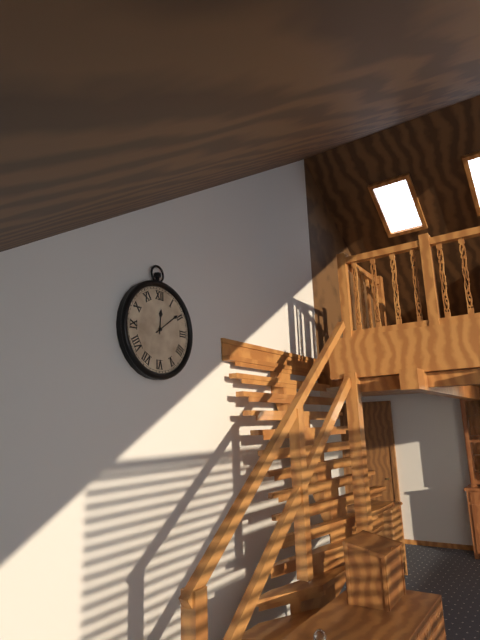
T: 12.09
